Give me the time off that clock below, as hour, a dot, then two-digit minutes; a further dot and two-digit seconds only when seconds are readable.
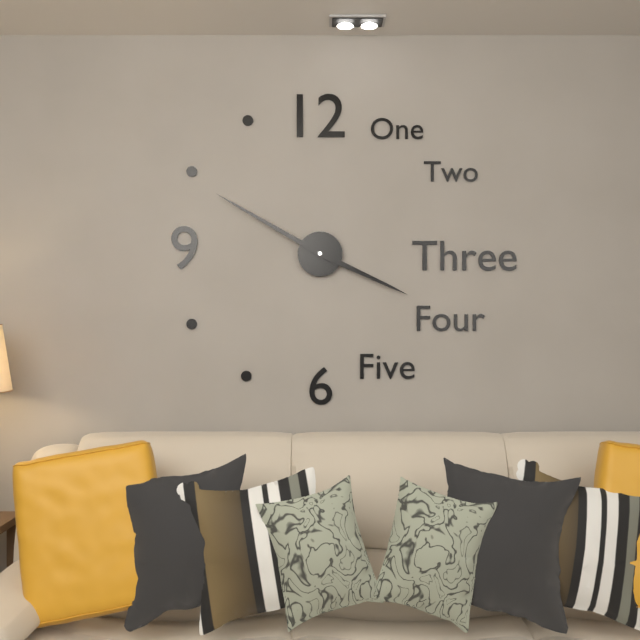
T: 3.50
